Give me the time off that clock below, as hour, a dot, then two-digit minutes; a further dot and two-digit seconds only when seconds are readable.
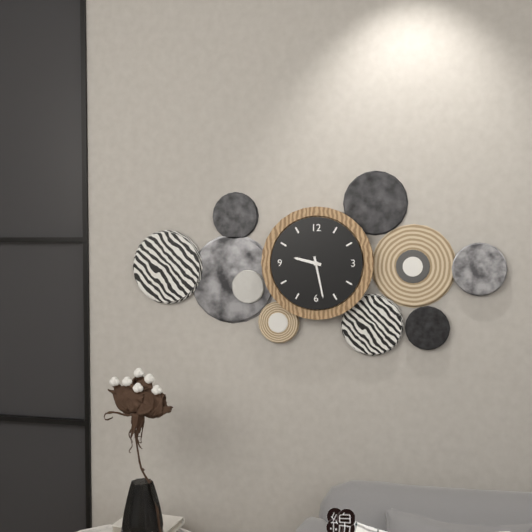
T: 9.28
